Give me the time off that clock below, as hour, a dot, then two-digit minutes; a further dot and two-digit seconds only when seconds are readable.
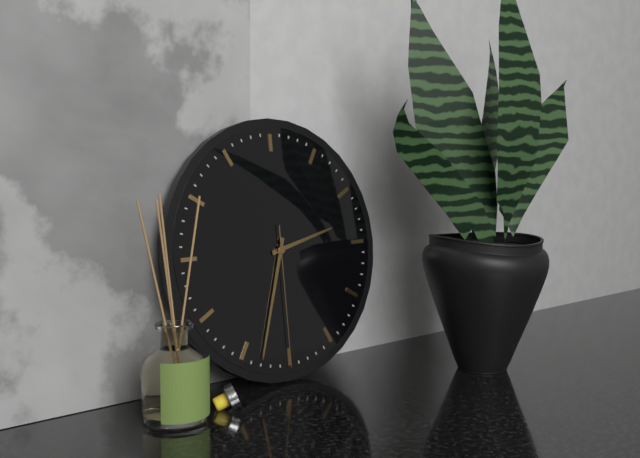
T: 2.33.30
